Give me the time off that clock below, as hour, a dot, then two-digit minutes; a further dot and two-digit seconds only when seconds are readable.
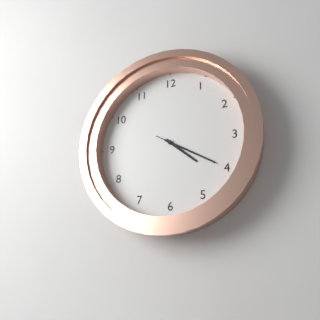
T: 4.20.20
